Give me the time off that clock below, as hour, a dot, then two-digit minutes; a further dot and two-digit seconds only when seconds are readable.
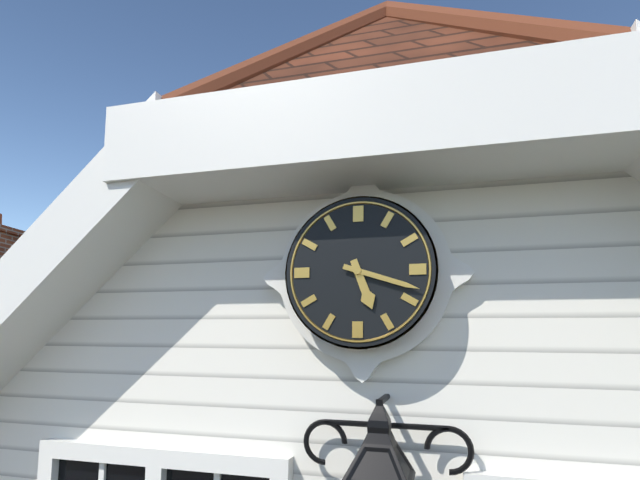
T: 5.18
